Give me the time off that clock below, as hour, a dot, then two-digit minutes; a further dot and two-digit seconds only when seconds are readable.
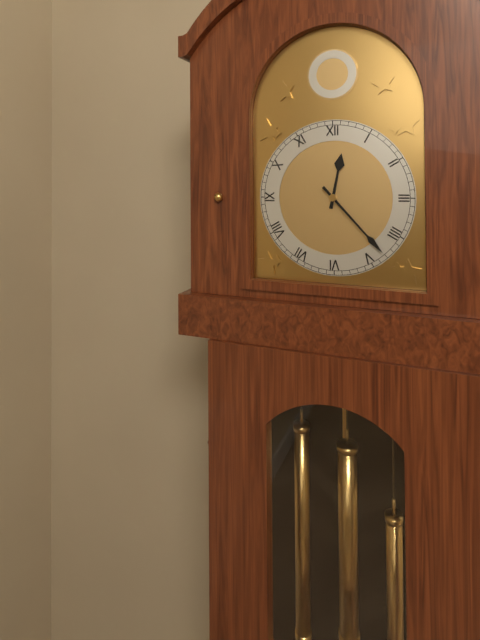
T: 12.23
